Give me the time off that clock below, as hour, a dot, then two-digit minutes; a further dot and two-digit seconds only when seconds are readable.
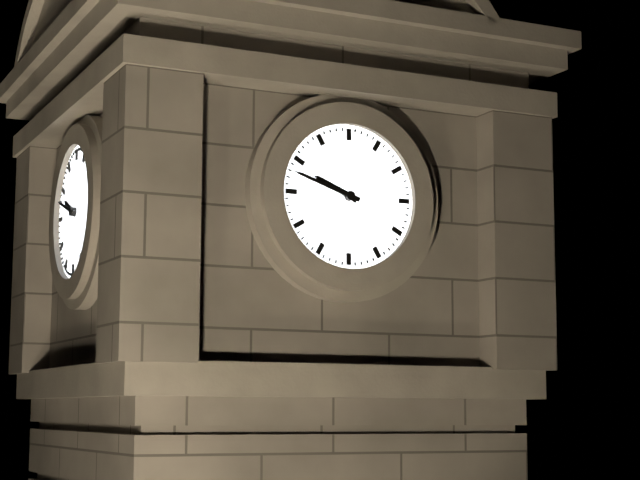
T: 9.48
